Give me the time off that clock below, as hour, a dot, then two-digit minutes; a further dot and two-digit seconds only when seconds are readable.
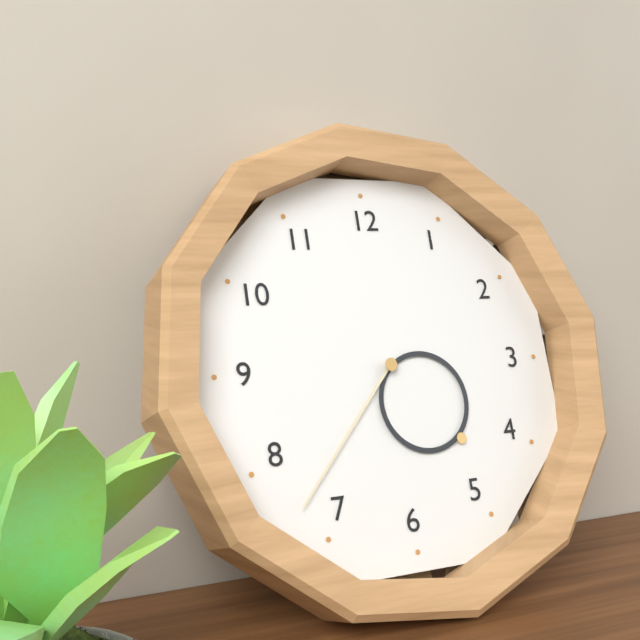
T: 4.37
